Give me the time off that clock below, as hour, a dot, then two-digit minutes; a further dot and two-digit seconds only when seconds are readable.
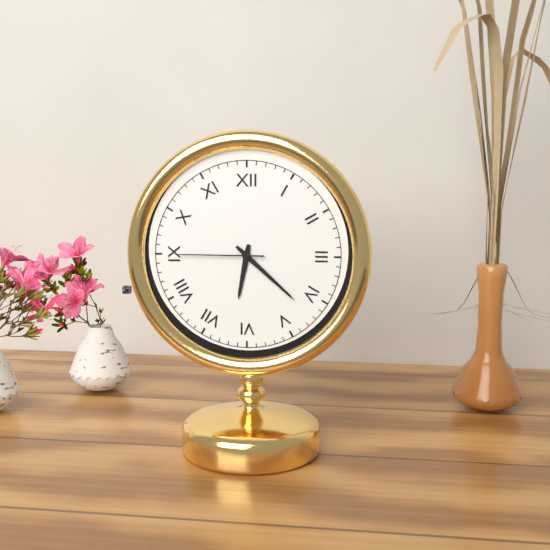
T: 6.22.45
